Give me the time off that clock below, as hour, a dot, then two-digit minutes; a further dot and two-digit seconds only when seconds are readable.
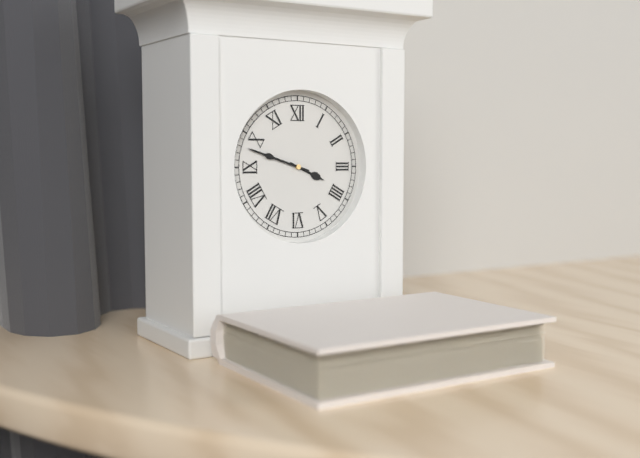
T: 3.48
